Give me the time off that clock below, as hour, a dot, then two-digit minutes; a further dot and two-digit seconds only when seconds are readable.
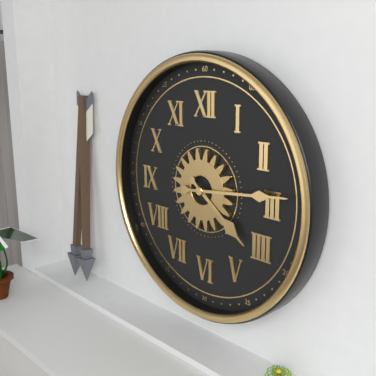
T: 4.14
